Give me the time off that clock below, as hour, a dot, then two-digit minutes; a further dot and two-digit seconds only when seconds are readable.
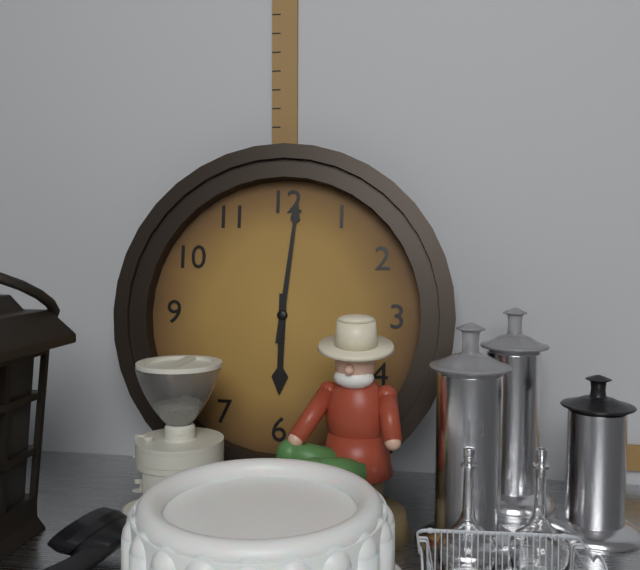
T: 6.01
